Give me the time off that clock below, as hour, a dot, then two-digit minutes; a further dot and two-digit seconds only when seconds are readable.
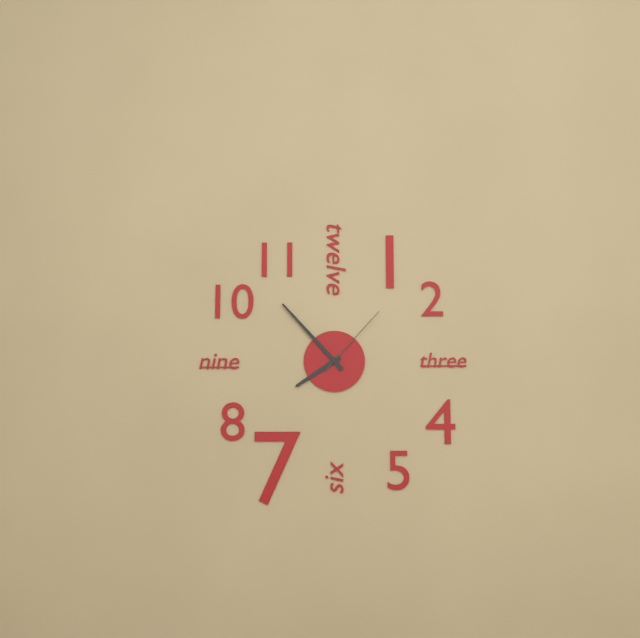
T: 7.53.07
